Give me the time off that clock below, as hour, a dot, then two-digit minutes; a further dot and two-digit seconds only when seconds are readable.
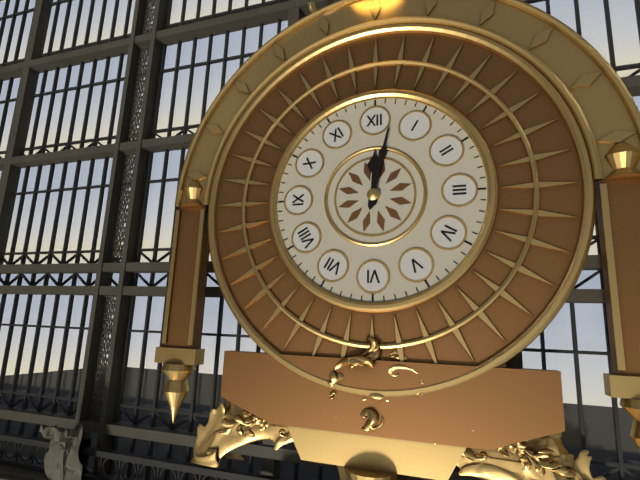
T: 12.02
